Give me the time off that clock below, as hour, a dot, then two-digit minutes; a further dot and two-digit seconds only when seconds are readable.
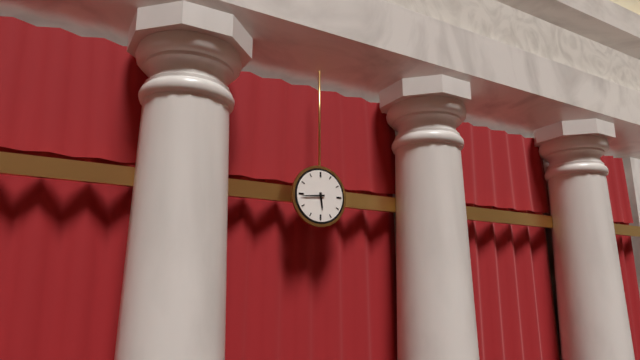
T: 5.44
